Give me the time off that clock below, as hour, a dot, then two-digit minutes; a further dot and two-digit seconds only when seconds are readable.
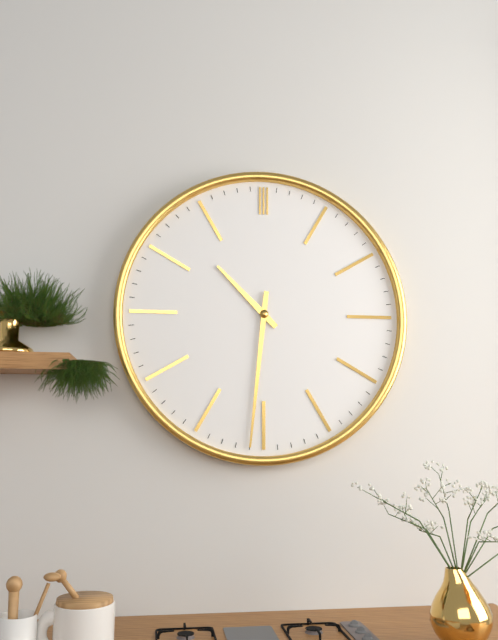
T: 10.31
